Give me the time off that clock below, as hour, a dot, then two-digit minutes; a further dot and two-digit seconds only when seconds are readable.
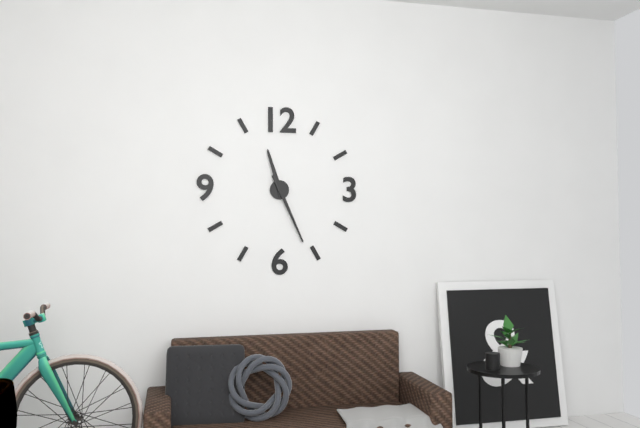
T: 11.26
